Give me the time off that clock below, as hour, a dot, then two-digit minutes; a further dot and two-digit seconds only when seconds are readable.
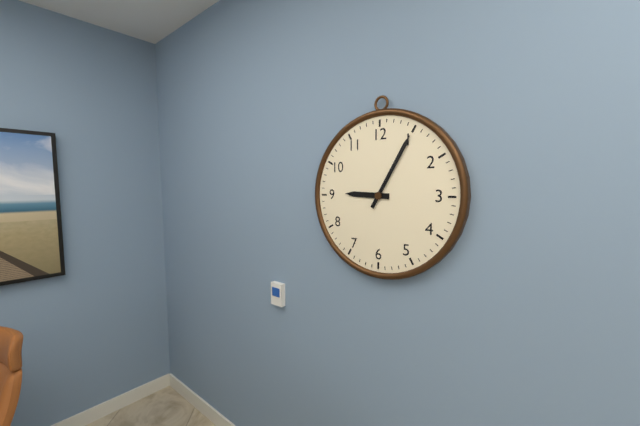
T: 9.05
